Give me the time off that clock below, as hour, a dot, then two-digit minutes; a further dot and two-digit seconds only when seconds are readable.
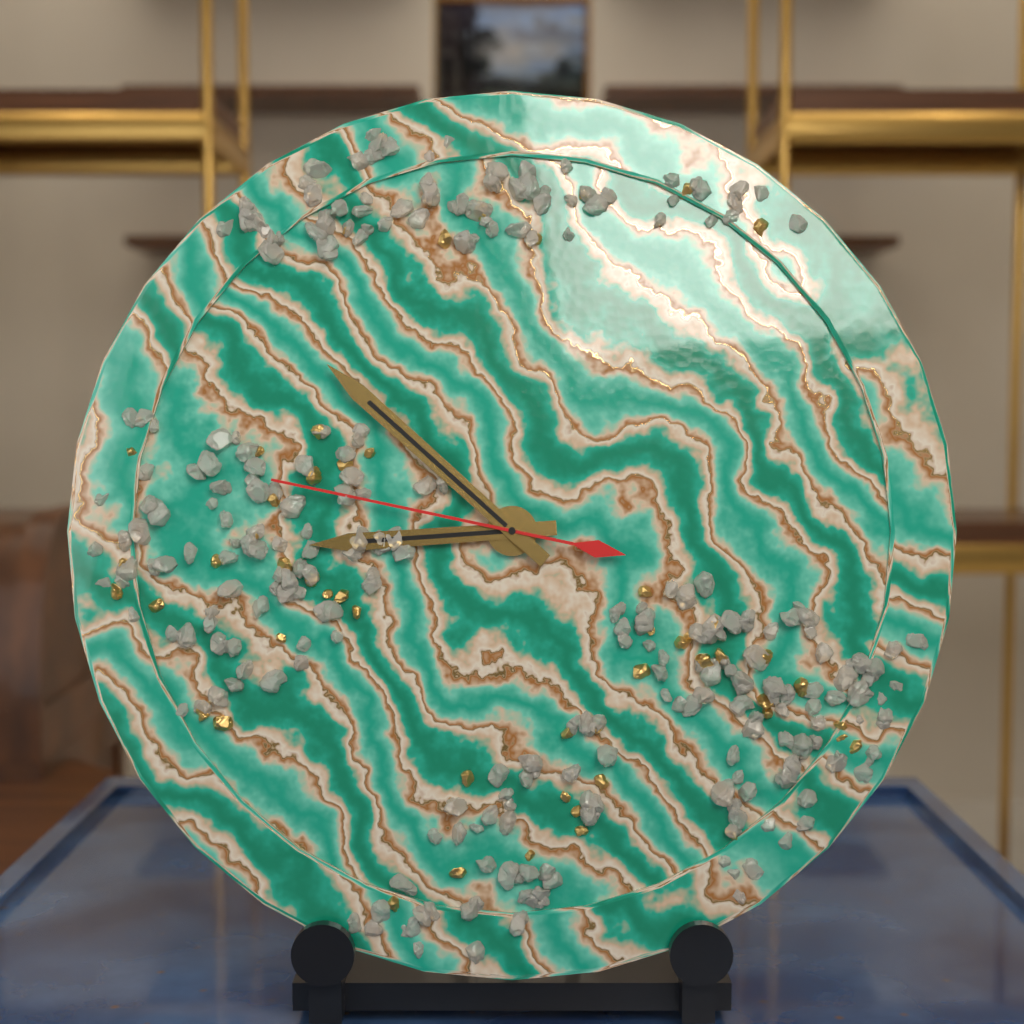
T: 8.52.47
